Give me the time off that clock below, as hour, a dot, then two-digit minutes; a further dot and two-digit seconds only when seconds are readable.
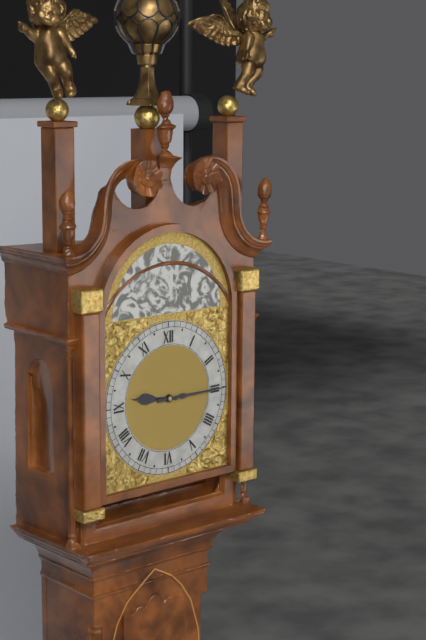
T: 9.15
